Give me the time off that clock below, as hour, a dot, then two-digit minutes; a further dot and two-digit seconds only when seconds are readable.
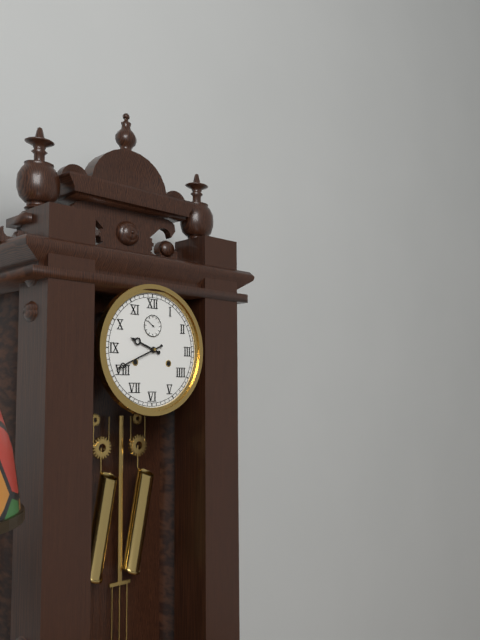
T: 9.41
